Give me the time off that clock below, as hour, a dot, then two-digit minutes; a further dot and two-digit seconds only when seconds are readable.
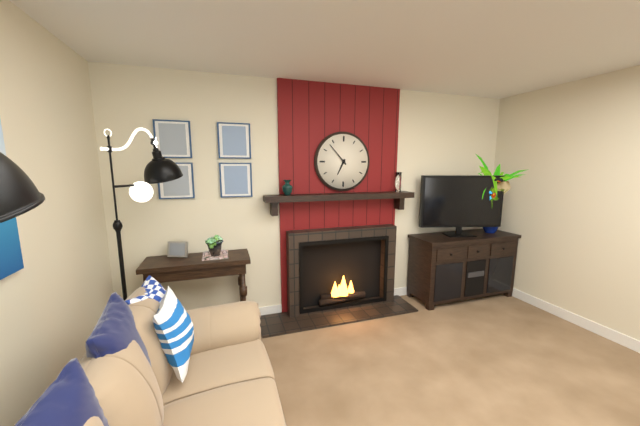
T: 6.53
